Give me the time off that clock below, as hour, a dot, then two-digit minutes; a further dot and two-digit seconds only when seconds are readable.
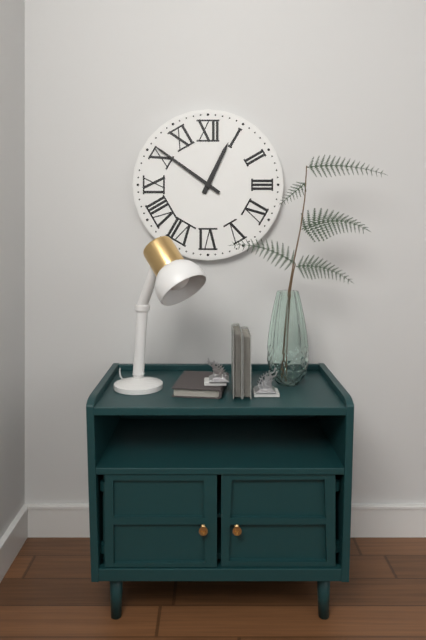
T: 12.51
